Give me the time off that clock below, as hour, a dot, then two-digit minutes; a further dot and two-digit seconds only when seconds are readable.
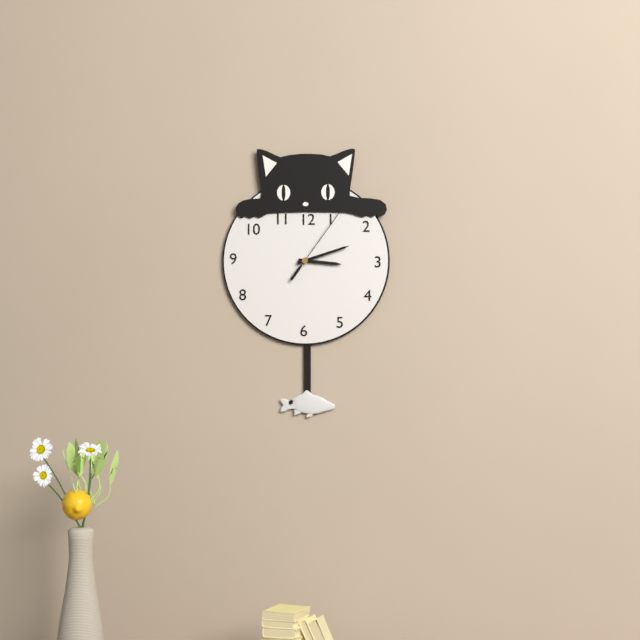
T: 3.12.06
